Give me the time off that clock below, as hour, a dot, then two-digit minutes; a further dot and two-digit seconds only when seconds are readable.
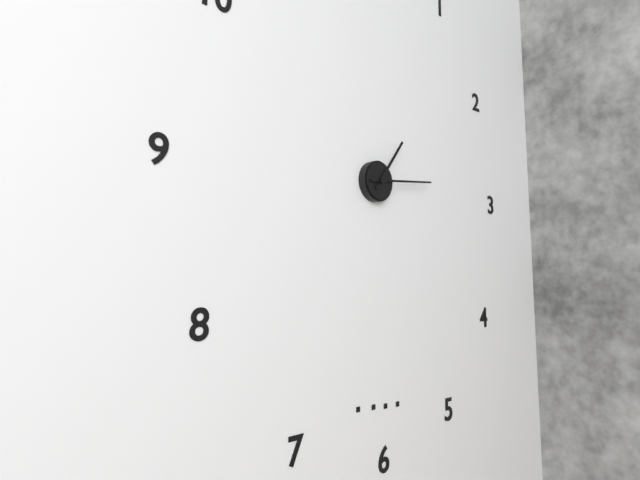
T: 1.14
